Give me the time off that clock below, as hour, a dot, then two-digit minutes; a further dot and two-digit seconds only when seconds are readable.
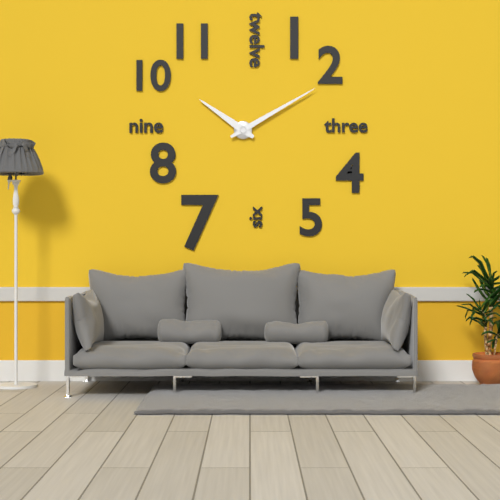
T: 10.10
